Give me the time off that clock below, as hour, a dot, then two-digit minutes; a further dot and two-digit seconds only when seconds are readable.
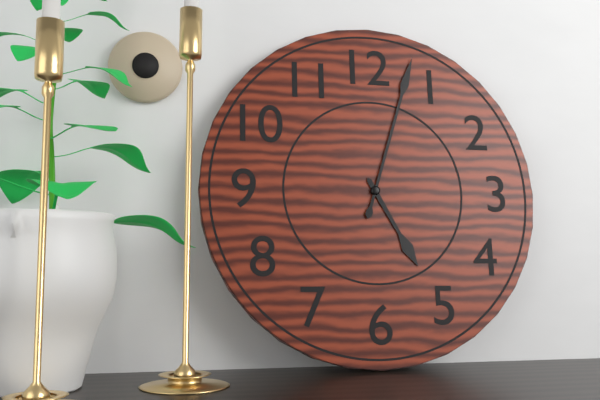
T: 5.03
